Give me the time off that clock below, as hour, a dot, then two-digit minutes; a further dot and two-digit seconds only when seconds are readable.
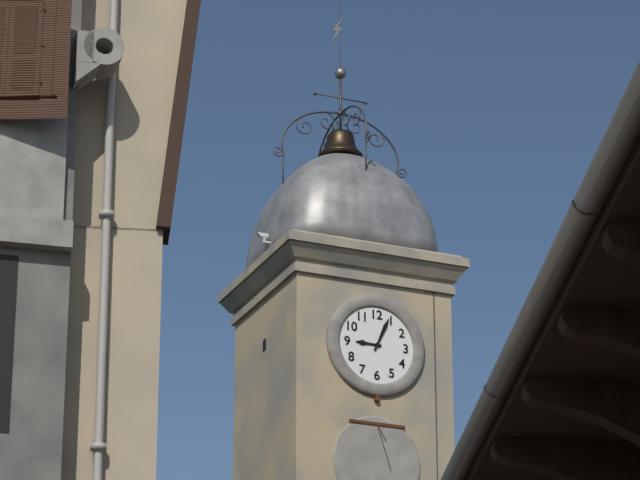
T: 9.04
